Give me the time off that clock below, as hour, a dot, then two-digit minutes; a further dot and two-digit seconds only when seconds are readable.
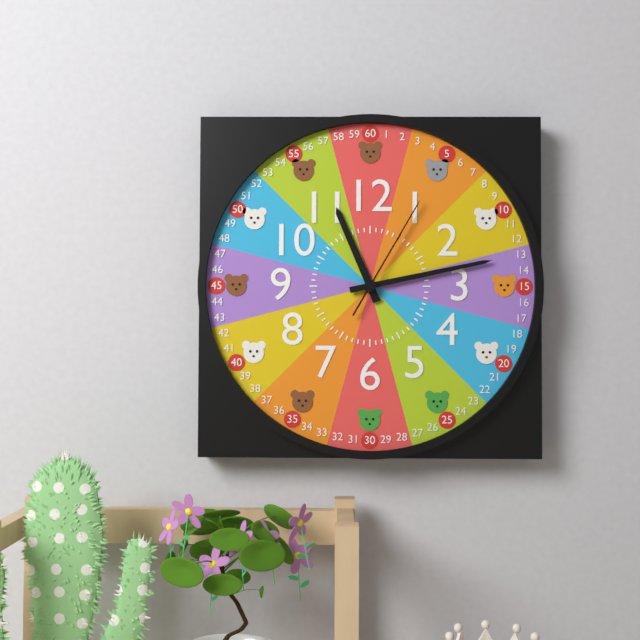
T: 11.13.05
